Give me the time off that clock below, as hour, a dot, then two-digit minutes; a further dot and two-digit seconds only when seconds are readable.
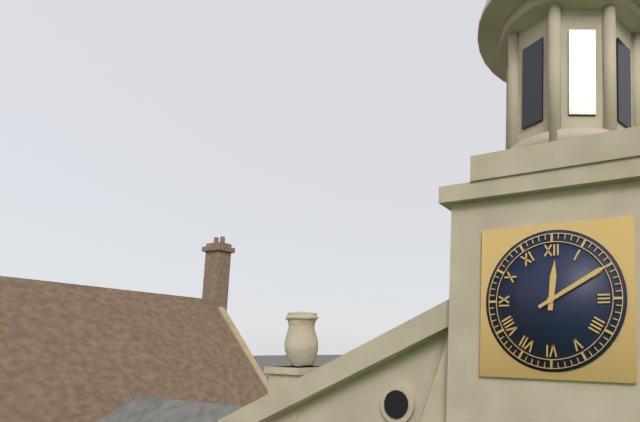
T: 12.10
